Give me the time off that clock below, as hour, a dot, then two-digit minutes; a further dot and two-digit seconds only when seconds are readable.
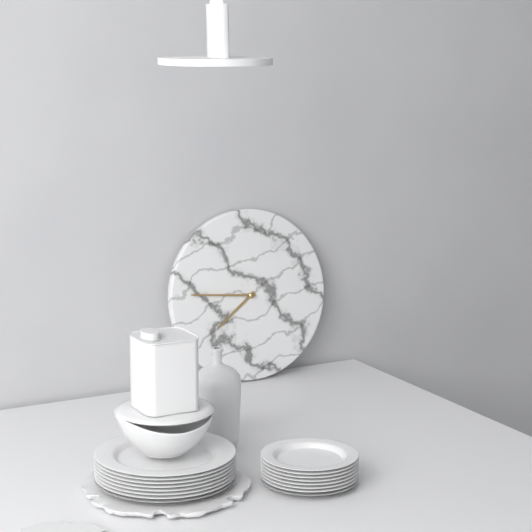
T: 7.46
